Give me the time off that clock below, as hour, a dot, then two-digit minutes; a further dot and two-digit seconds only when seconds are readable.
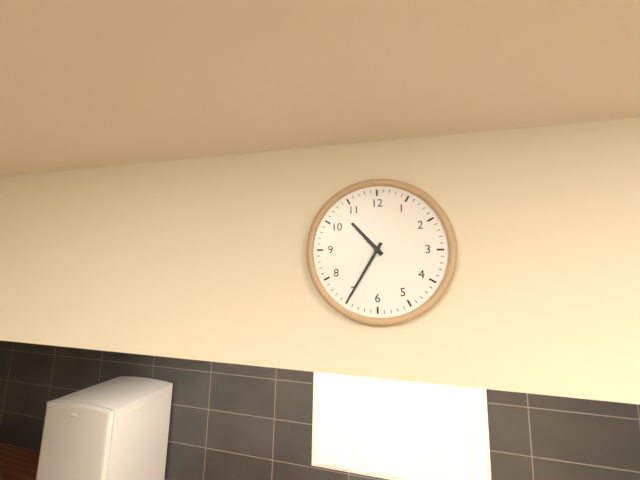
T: 10.35
